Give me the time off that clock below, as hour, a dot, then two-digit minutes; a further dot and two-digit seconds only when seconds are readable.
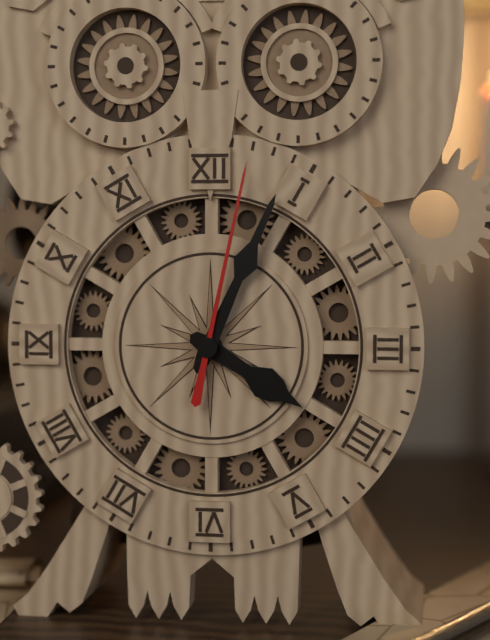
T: 4.04.02
